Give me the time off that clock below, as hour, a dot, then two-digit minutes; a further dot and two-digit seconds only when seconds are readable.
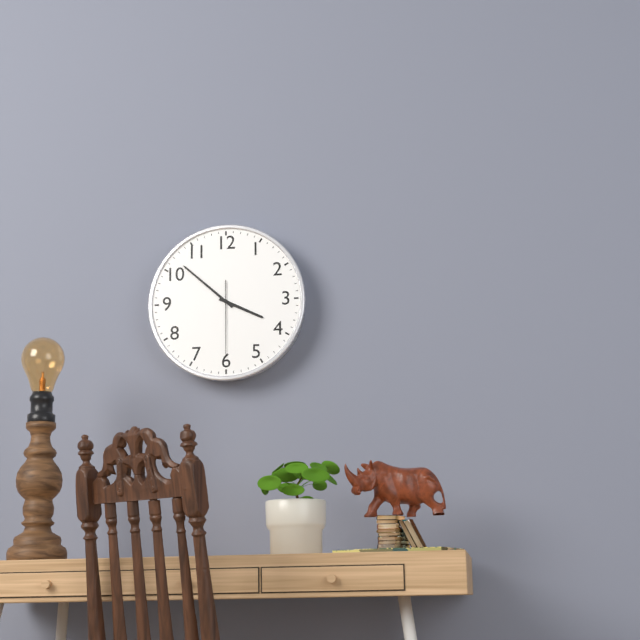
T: 3.52.30
